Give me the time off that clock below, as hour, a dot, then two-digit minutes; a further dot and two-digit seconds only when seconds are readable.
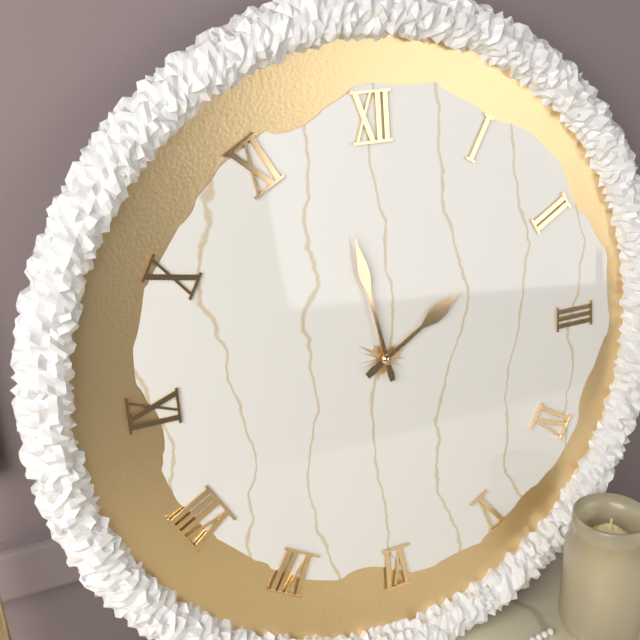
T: 1.58
